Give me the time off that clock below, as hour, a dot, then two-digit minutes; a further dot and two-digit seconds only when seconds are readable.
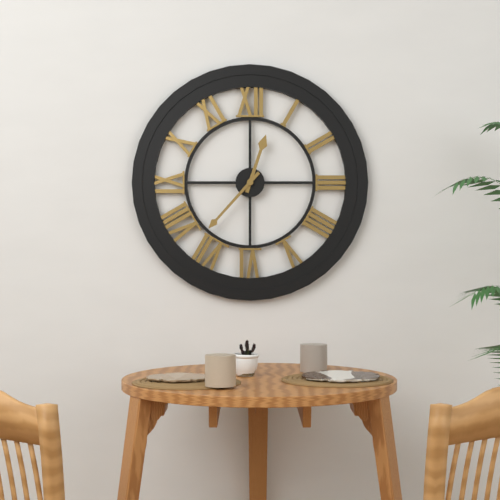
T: 12.37
